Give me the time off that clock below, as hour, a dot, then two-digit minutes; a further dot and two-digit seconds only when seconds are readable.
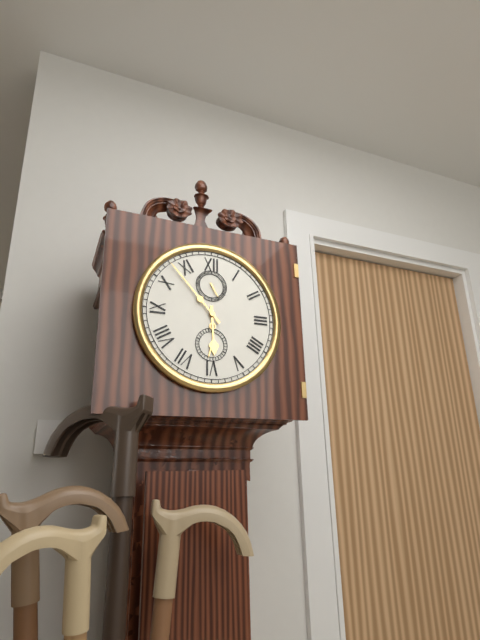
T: 5.53
